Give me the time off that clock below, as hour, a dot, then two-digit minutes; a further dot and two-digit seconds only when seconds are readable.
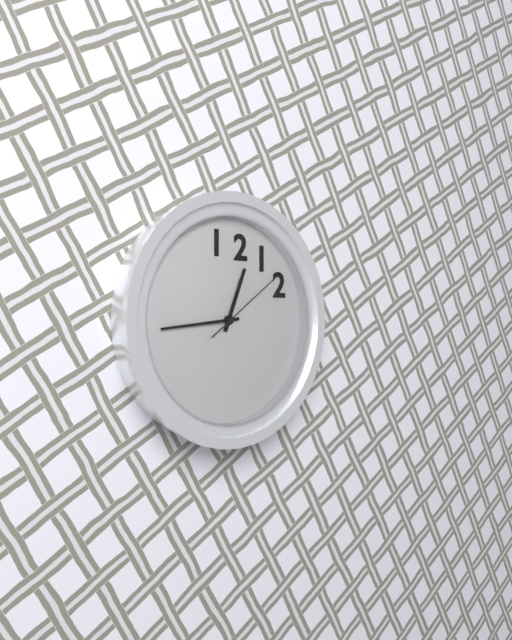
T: 12.44.09
